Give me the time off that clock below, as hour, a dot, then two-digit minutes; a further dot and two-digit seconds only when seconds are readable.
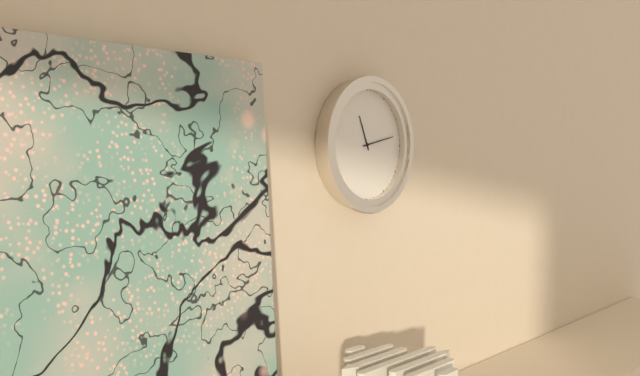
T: 11.13
